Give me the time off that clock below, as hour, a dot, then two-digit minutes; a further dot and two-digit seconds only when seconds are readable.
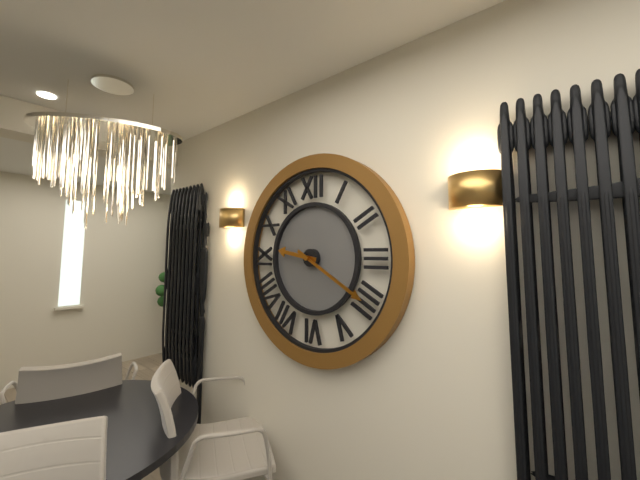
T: 9.20
